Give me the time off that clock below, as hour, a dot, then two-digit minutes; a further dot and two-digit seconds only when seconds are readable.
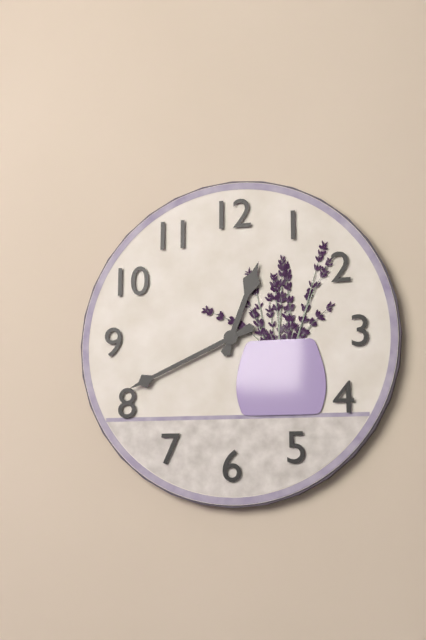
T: 12.41
